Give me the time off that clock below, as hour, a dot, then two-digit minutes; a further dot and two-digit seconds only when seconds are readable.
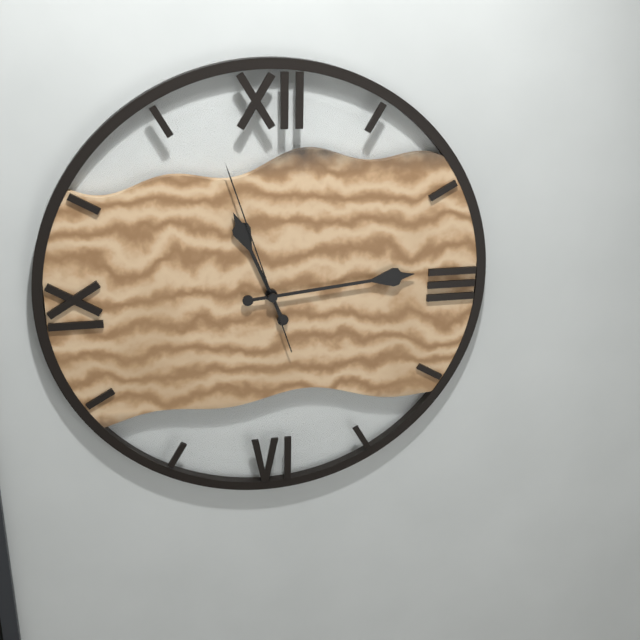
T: 11.14.57
